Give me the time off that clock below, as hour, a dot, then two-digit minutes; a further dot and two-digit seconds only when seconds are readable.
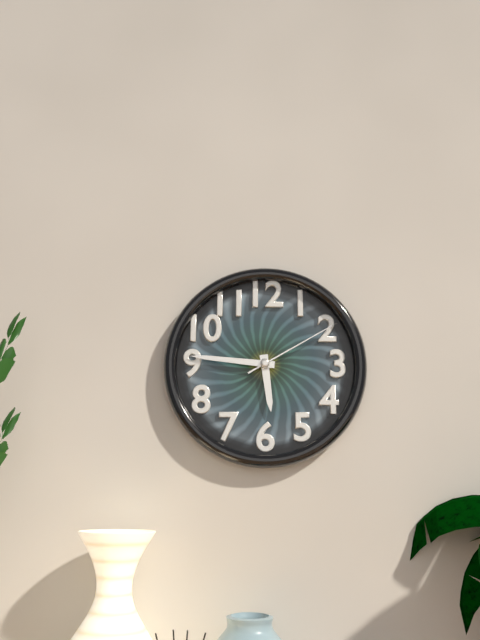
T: 5.46.10
